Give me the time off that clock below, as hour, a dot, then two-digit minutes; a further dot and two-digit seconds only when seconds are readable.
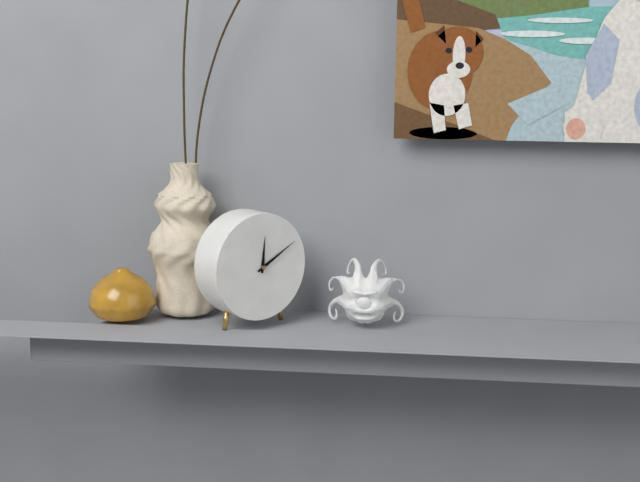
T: 12.10
